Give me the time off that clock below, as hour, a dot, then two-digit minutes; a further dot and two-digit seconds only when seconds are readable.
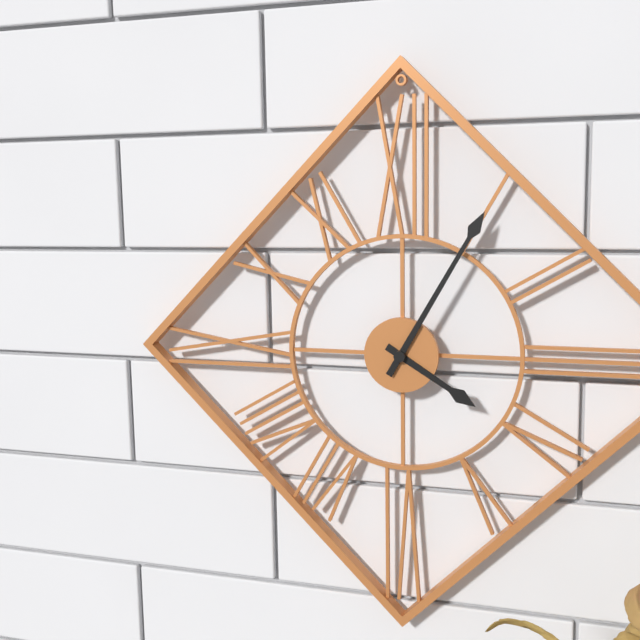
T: 4.05
